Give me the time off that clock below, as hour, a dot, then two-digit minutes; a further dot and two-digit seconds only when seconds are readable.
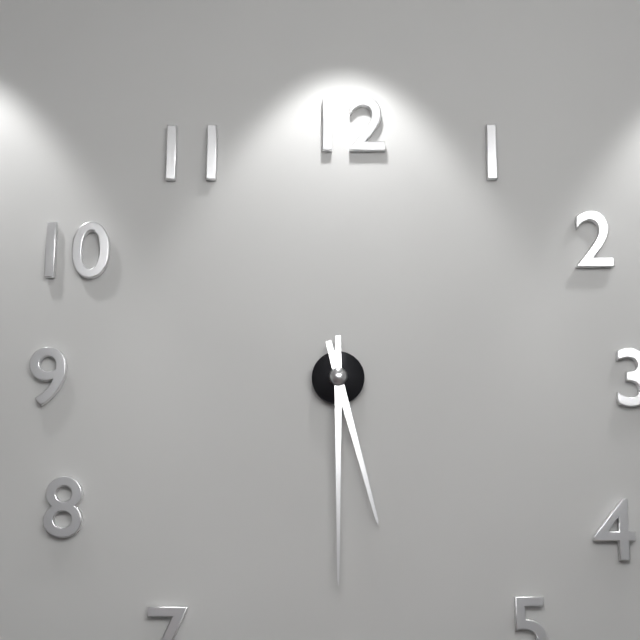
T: 5.30
